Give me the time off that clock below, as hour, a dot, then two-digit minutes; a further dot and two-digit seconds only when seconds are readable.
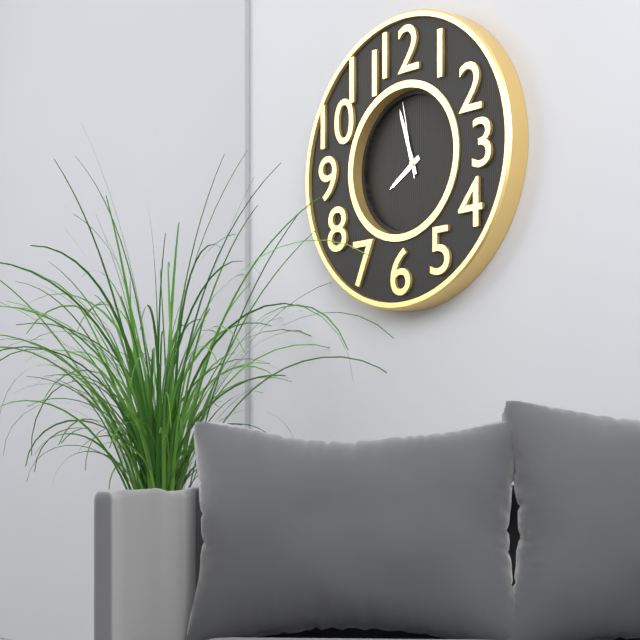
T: 7.57.58
